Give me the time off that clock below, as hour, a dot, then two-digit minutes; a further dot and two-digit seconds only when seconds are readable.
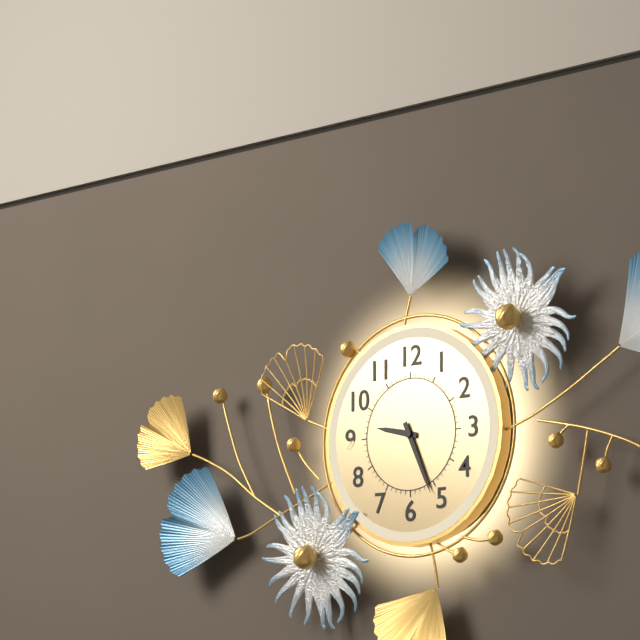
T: 9.26
